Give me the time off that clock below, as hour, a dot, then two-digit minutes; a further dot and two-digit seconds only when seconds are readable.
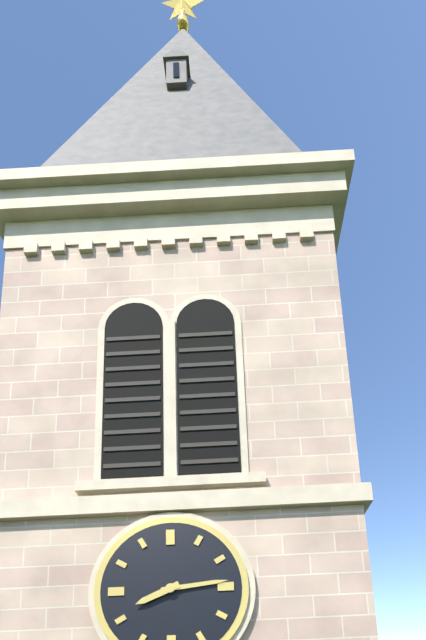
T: 8.14
